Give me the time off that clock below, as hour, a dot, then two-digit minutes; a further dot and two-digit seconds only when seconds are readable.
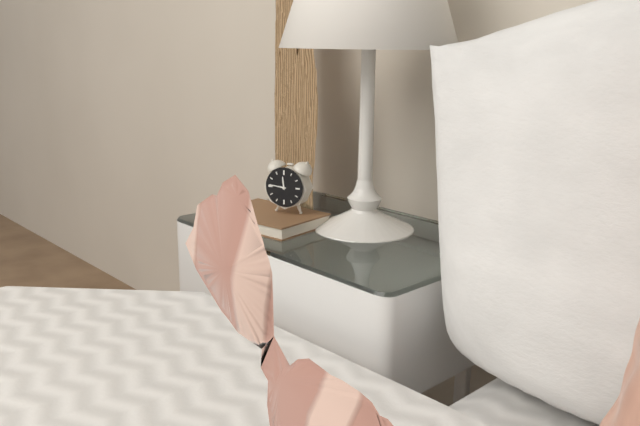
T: 11.46
